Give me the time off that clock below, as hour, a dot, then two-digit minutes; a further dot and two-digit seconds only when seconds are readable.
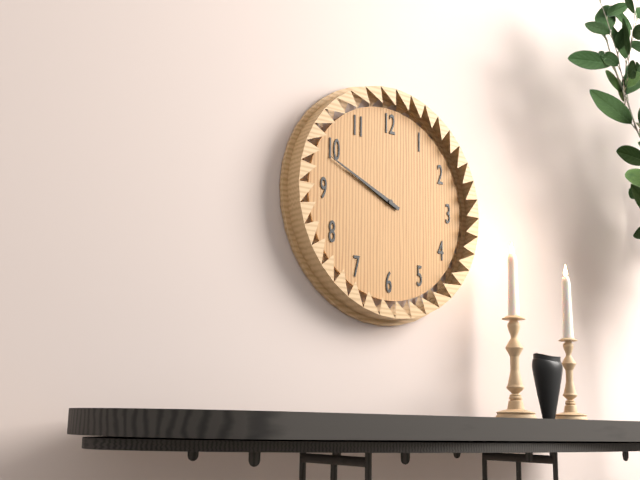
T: 9.49
